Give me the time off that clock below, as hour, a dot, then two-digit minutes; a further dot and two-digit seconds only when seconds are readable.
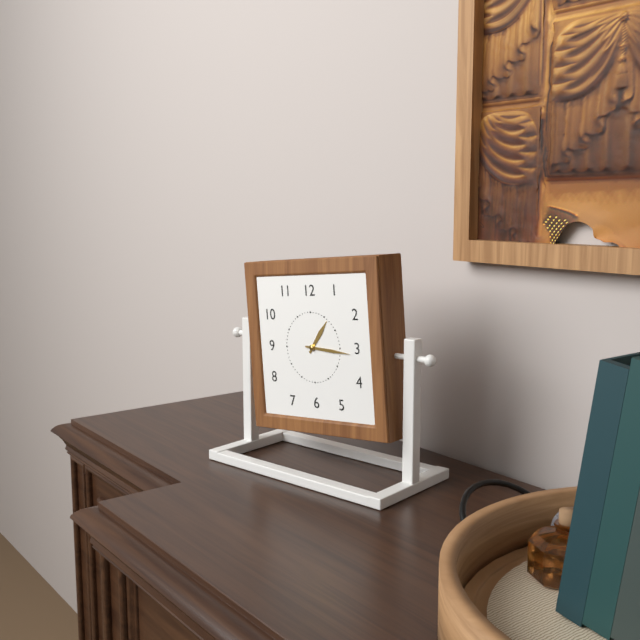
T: 1.16
